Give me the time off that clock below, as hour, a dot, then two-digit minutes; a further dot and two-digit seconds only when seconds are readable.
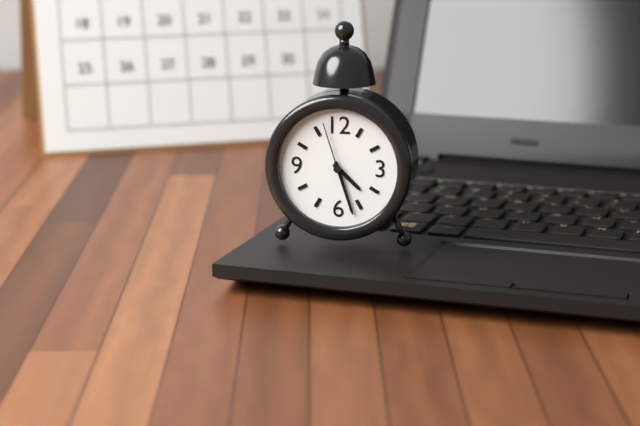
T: 4.27.57
